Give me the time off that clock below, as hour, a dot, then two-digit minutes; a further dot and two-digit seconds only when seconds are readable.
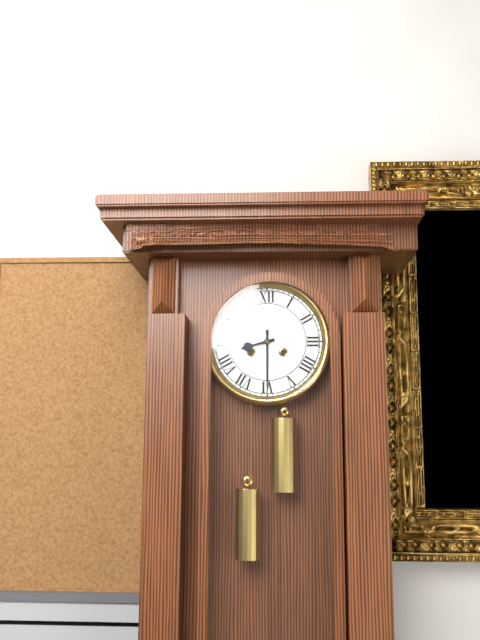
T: 8.30
